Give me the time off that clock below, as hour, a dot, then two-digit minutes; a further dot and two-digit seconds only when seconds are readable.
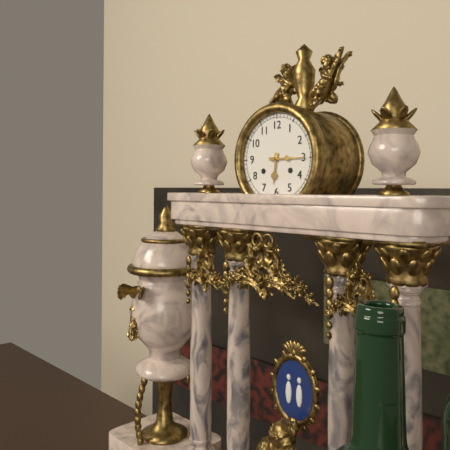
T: 6.15
